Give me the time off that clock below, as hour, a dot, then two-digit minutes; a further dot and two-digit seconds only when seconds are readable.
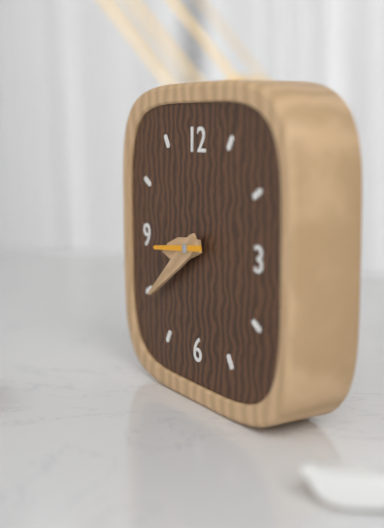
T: 8.39.44
